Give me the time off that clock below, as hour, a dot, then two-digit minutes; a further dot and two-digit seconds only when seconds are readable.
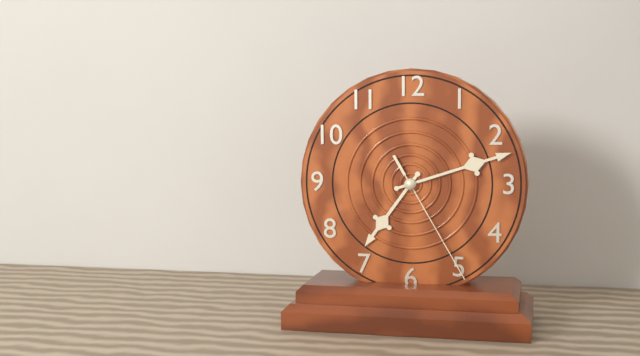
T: 7.12.25
